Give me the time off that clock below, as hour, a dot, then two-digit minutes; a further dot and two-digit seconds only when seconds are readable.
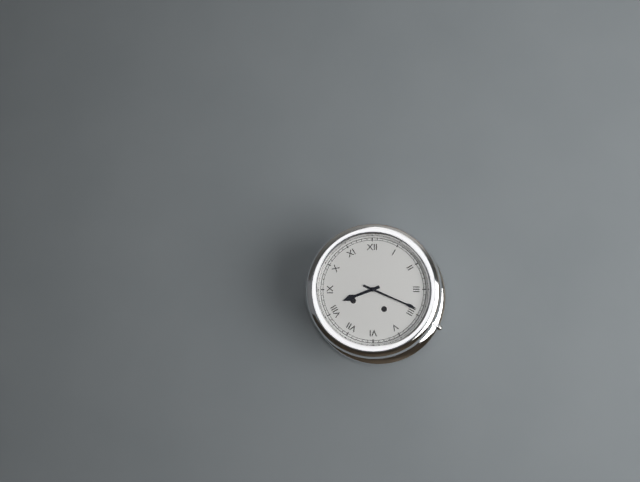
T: 8.19
